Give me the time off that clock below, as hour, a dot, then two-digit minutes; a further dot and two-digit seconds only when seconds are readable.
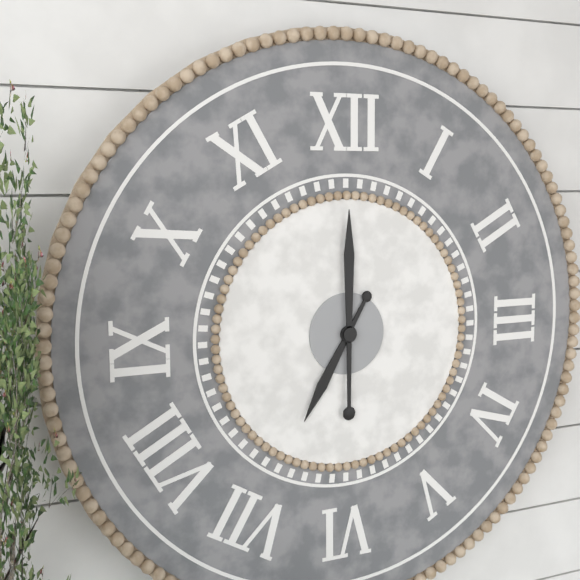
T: 7.00
